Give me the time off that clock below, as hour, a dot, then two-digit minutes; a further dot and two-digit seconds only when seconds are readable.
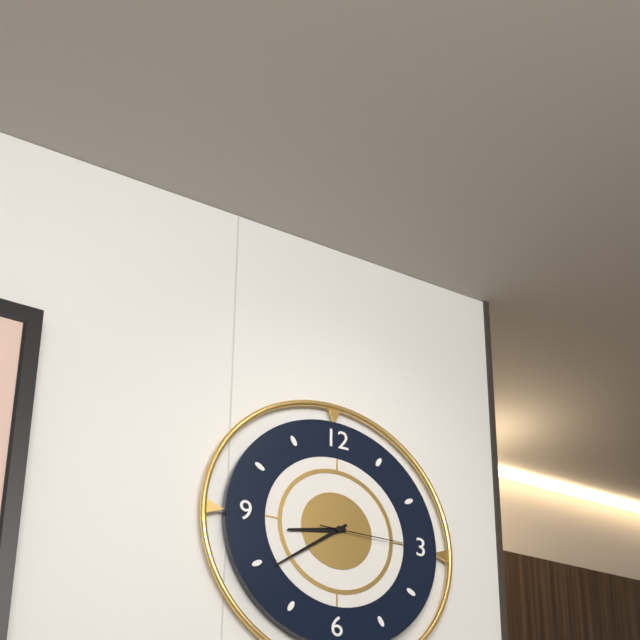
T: 8.39.15
